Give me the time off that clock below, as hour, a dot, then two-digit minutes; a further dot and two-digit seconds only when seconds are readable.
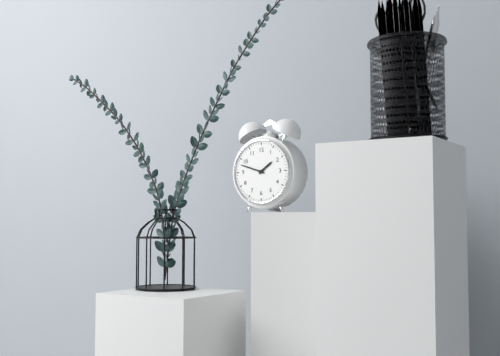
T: 1.48
